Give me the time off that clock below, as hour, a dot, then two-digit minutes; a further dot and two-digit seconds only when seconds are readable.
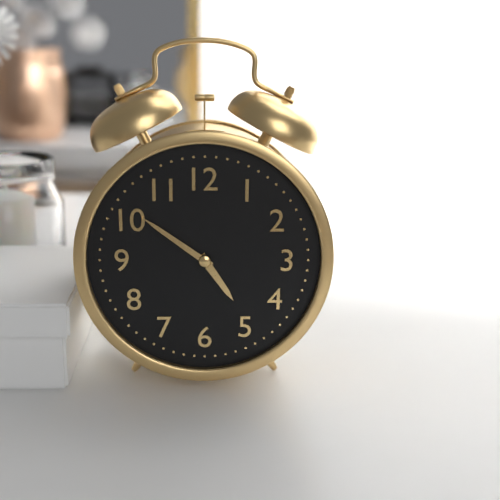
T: 4.51
